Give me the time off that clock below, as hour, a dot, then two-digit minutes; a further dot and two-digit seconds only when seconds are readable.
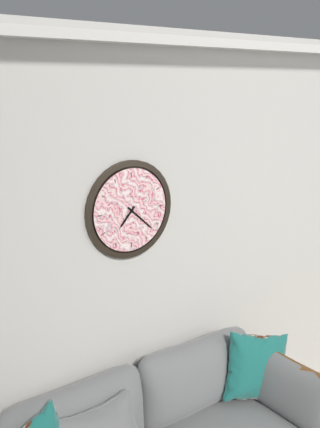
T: 7.22
